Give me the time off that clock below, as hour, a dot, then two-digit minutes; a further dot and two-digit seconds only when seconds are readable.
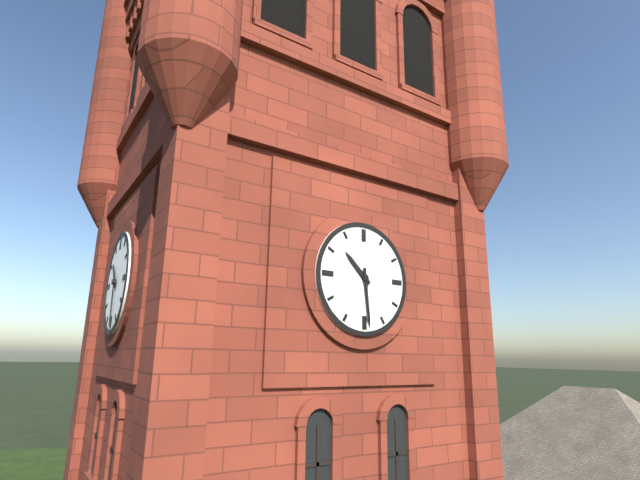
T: 10.29
